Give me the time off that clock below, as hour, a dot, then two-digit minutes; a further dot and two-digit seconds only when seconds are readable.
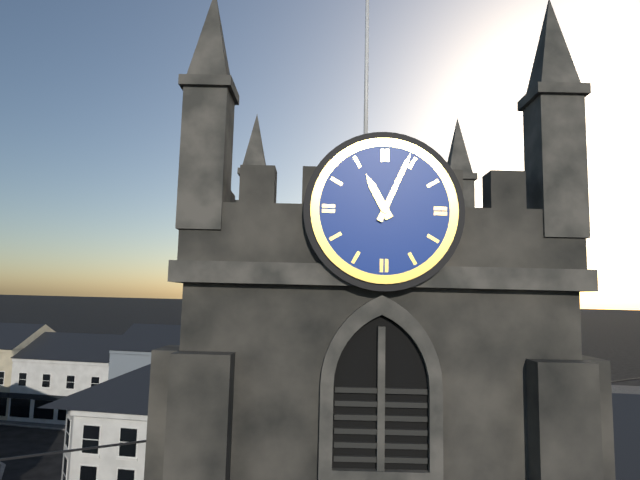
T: 11.04
